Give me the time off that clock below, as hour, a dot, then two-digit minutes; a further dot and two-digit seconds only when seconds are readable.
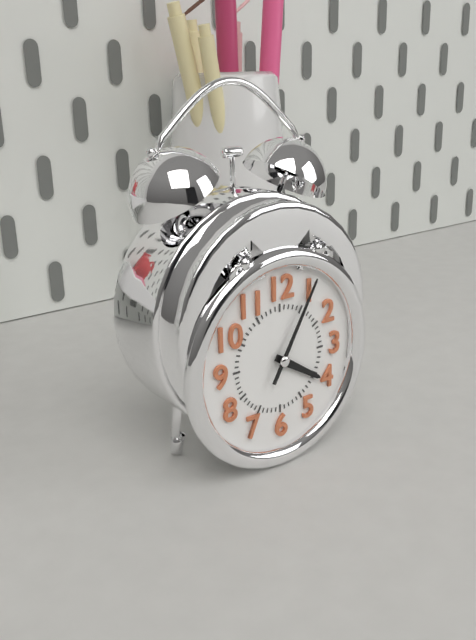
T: 4.05
